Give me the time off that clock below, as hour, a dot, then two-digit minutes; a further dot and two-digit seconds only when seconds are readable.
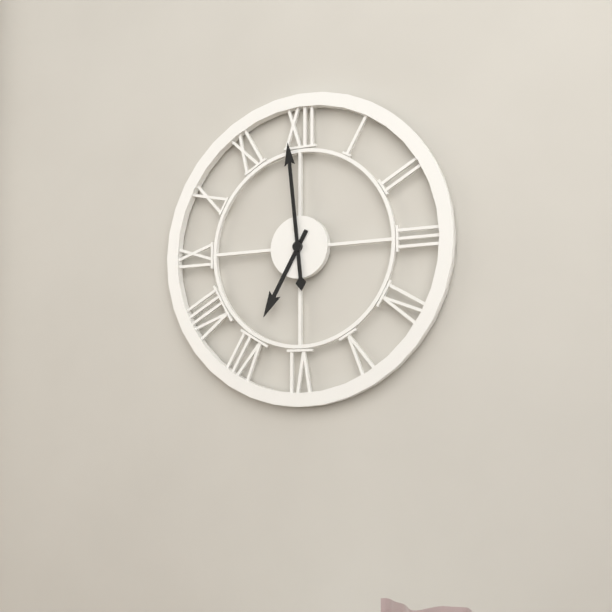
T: 6.59
